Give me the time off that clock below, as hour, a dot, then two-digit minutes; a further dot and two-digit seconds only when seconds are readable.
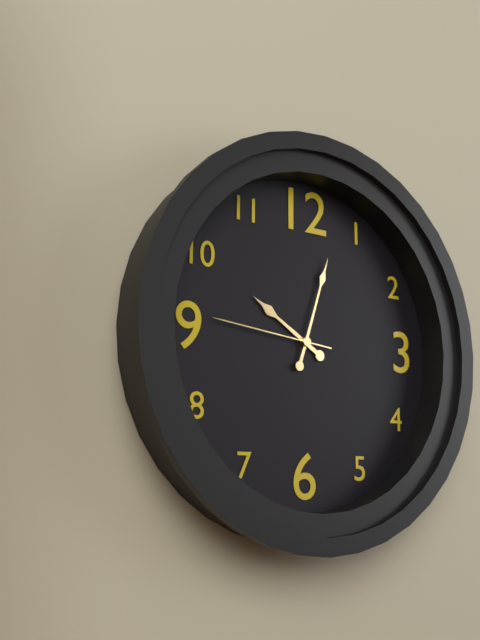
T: 10.03.46
